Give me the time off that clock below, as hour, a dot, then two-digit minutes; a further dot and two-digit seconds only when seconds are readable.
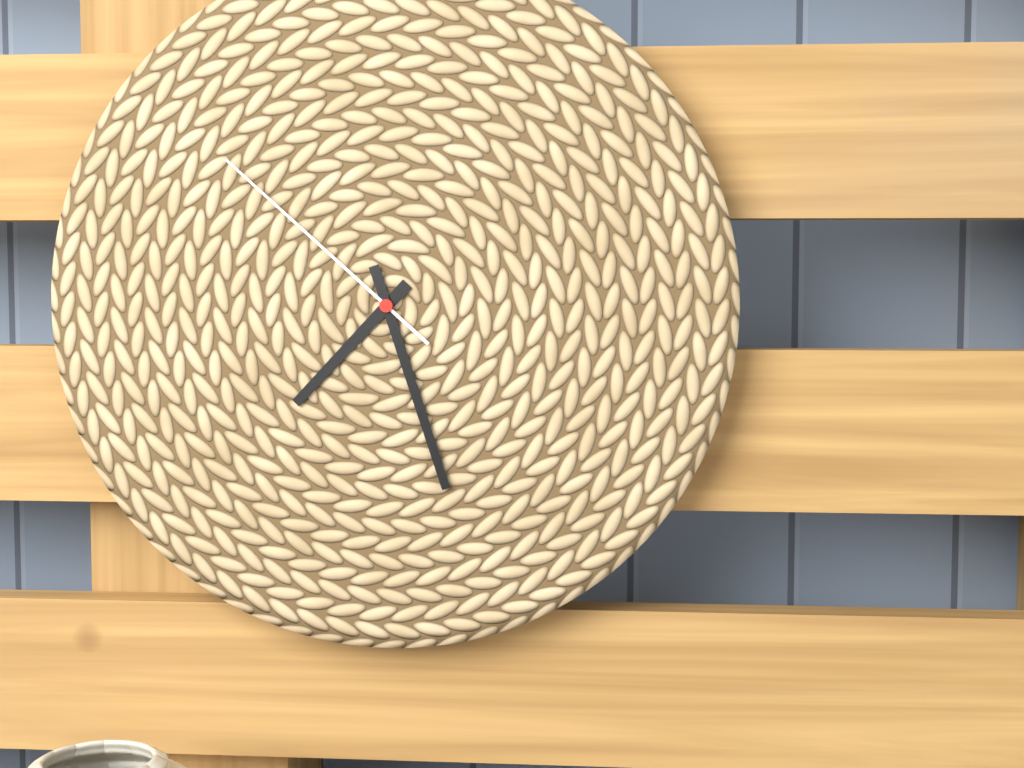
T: 7.27.52
